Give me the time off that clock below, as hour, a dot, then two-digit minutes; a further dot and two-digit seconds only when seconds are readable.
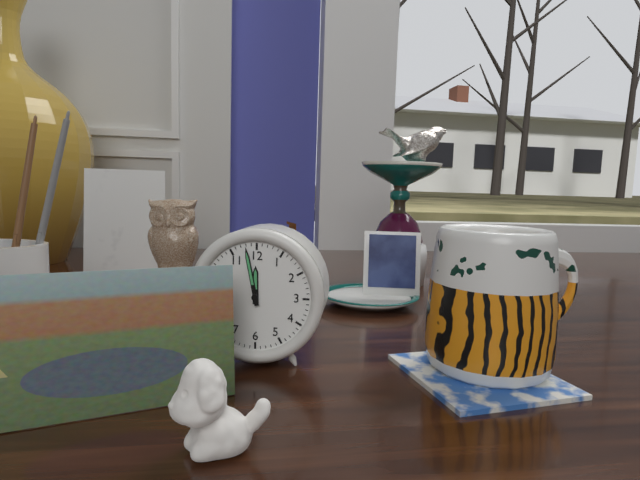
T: 11.58
